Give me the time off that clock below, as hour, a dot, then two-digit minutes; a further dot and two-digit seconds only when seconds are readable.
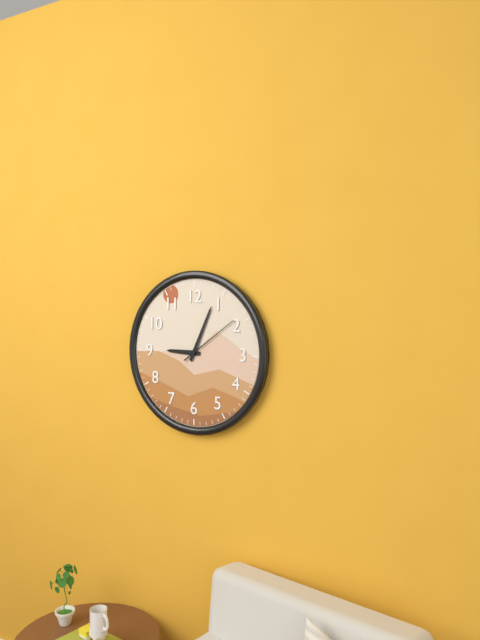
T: 9.04.09
